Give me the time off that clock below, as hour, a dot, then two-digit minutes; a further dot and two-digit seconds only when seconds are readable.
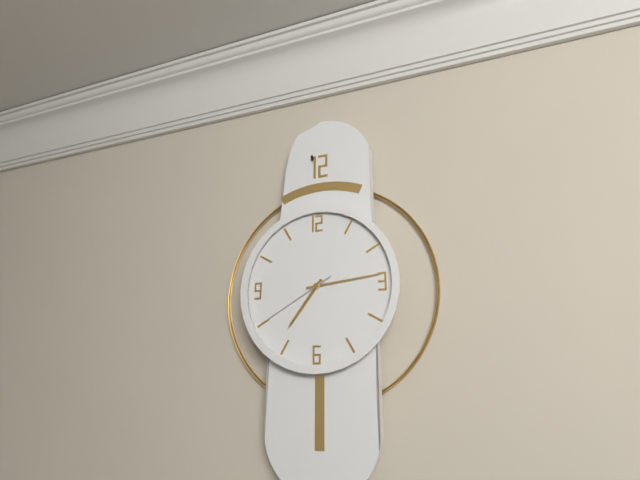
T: 7.14.40
